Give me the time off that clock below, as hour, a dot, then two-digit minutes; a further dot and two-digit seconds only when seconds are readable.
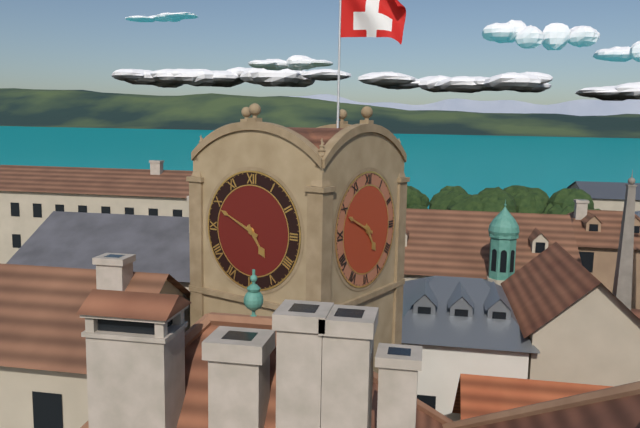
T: 4.49
